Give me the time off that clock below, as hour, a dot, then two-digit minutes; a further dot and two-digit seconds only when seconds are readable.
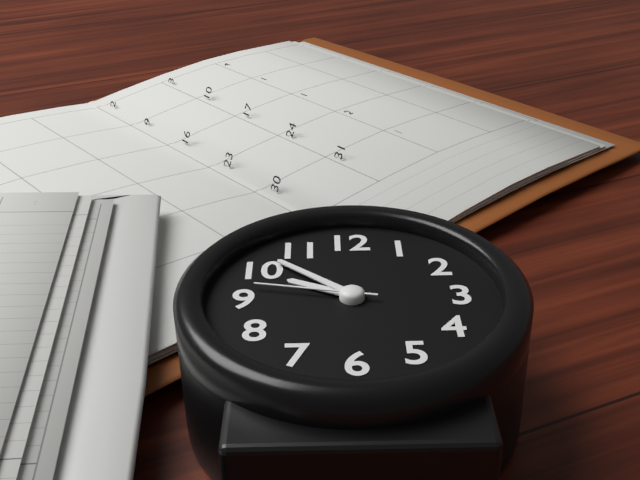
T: 9.52.47
